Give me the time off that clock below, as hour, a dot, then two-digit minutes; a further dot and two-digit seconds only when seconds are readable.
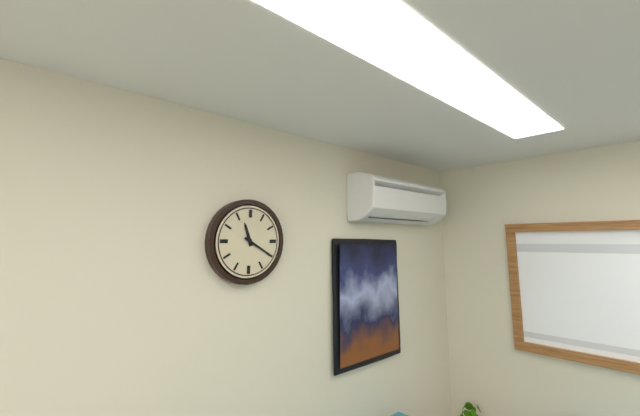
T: 11.20
